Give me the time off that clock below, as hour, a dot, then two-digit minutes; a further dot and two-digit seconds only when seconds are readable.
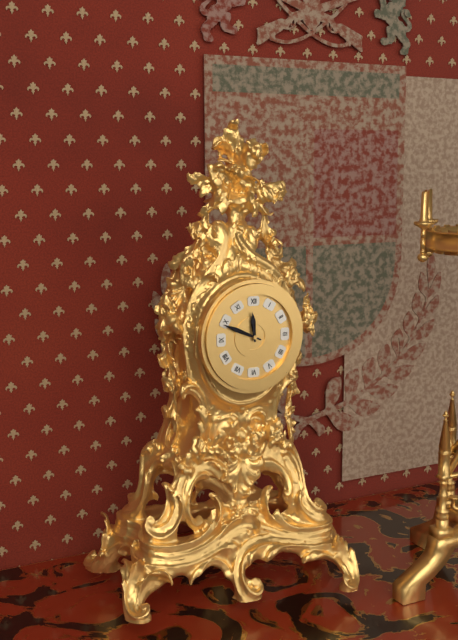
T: 11.49
